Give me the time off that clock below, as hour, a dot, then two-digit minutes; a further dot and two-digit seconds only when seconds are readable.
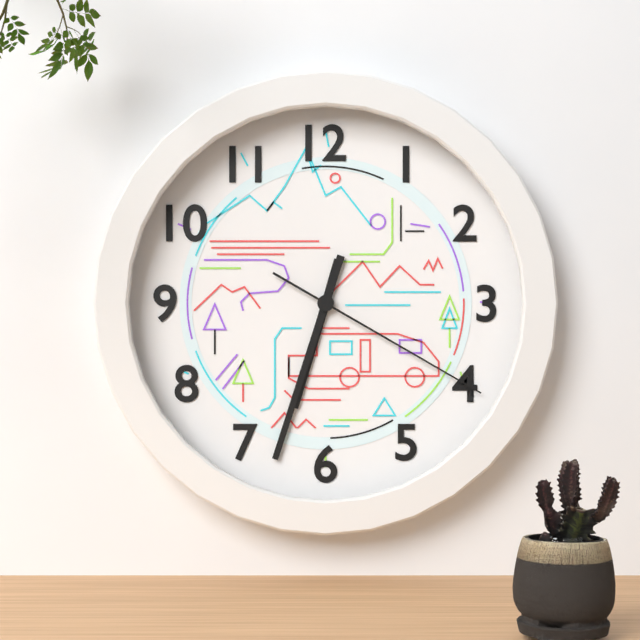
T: 6.33.20
